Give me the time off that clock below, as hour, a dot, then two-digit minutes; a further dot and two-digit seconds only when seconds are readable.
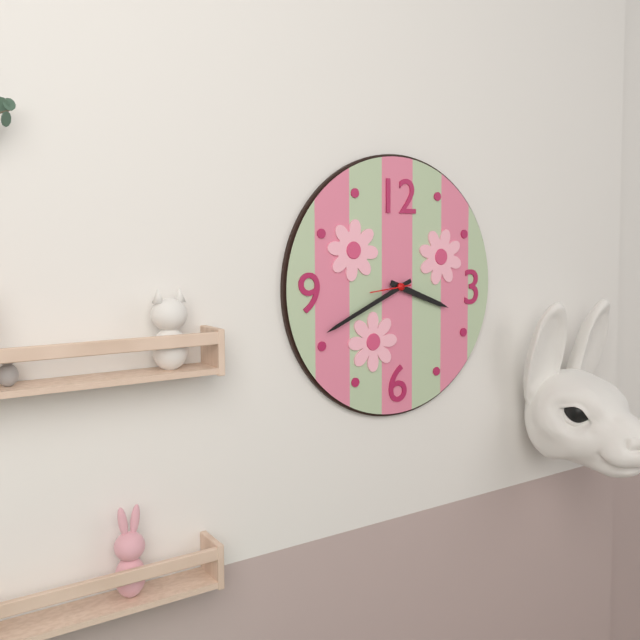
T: 3.41
